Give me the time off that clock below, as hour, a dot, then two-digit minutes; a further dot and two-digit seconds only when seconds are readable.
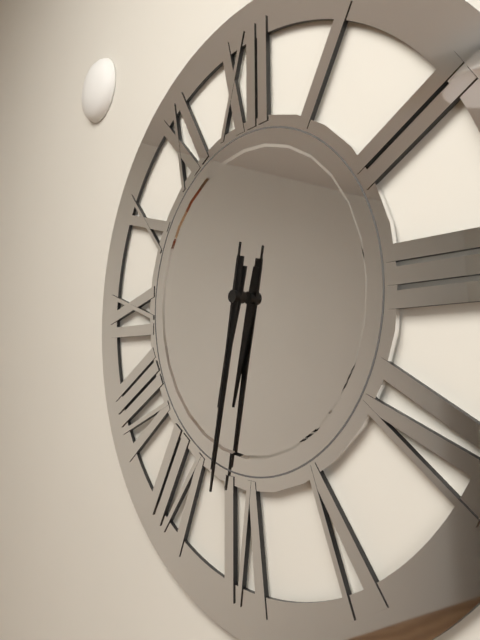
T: 6.32.32
